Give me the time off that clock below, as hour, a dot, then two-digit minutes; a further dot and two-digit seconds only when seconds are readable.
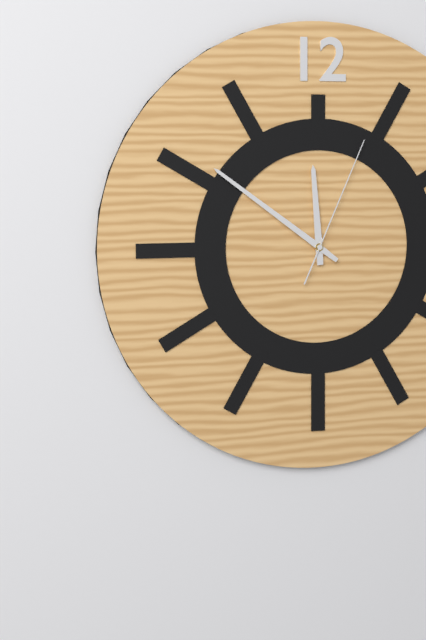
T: 11.51.04
